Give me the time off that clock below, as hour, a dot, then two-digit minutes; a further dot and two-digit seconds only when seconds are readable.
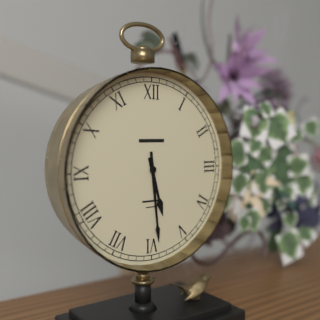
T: 5.29
